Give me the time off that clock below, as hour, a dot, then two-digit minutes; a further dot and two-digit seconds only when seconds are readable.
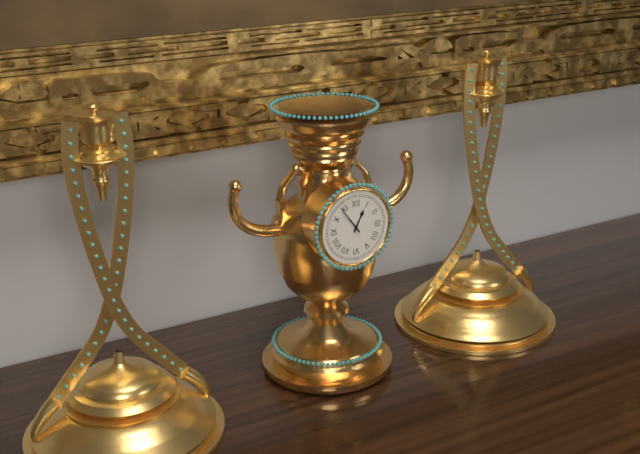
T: 12.54
